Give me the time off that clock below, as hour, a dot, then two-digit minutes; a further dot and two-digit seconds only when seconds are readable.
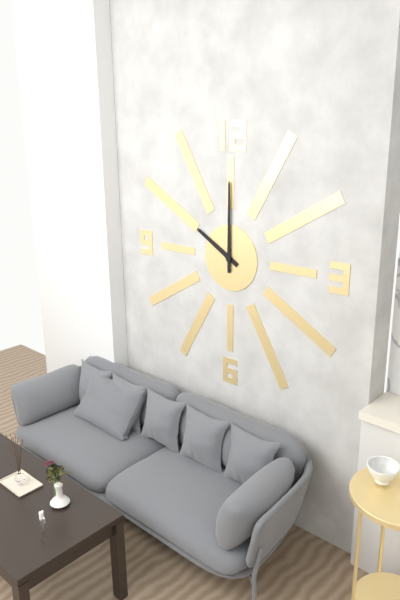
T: 10.00
